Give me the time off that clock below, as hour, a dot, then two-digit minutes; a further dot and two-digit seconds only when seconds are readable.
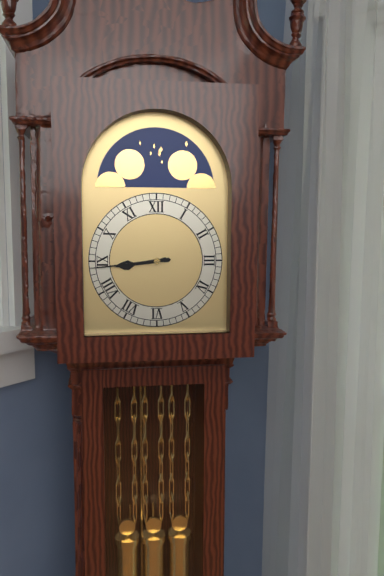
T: 8.44
